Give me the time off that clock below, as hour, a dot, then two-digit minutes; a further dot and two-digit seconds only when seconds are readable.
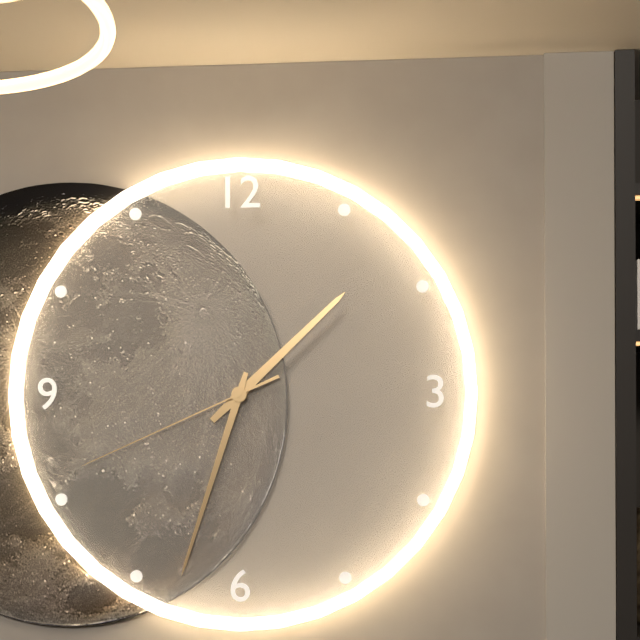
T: 1.33.41
